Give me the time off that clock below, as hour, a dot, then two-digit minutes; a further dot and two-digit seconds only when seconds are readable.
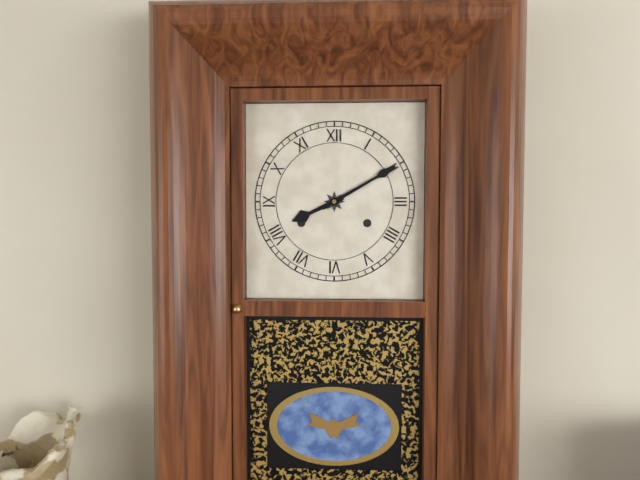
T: 8.10
